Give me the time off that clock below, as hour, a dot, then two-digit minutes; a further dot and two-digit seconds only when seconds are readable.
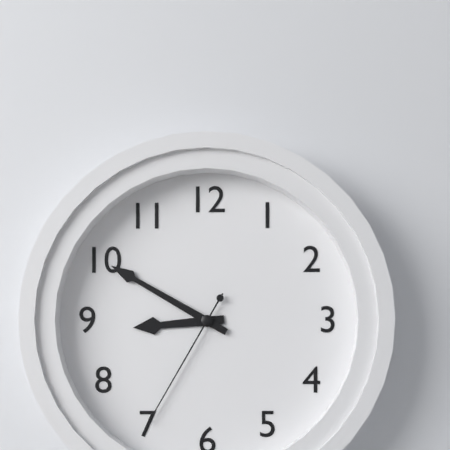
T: 8.50.35
